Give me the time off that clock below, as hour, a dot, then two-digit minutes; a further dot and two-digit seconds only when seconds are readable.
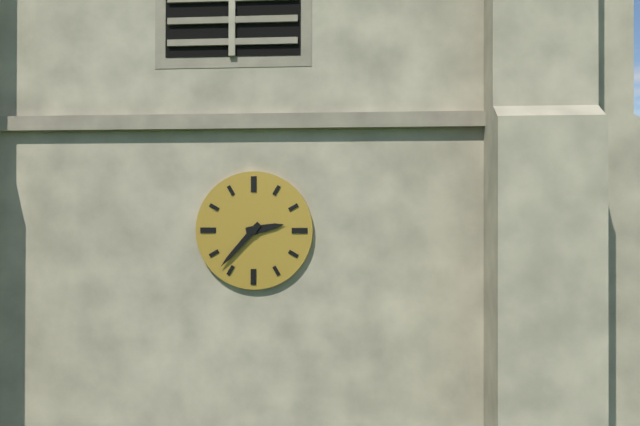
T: 2.37
